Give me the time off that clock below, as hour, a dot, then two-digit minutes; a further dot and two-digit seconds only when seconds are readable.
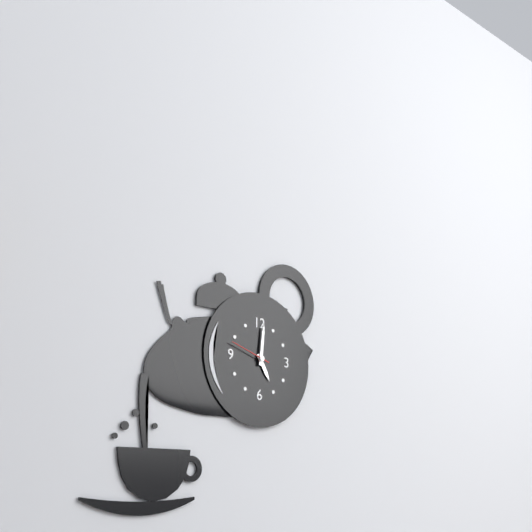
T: 5.01
